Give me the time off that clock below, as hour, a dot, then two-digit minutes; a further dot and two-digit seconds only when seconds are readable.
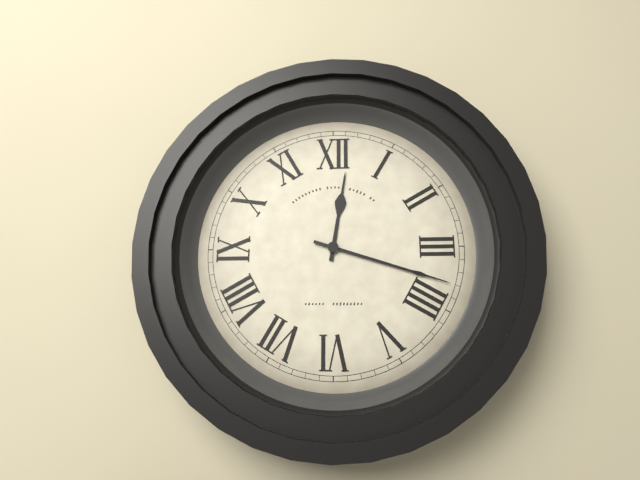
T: 12.18
